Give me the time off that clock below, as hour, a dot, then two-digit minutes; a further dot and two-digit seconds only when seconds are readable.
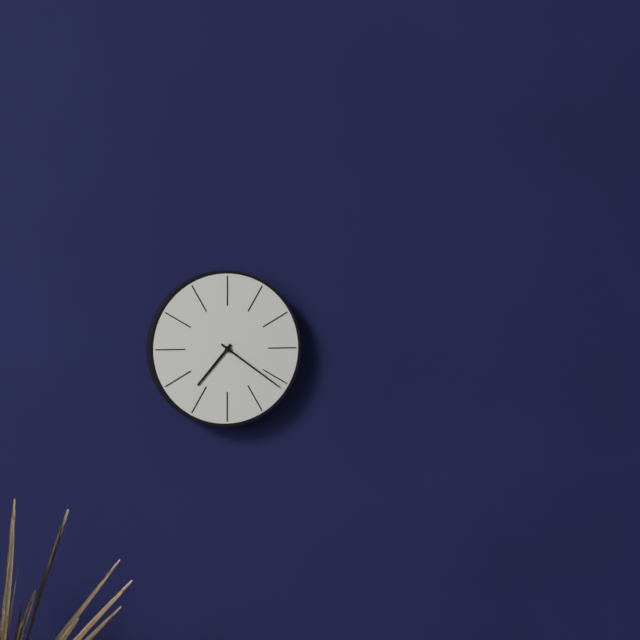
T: 7.21
